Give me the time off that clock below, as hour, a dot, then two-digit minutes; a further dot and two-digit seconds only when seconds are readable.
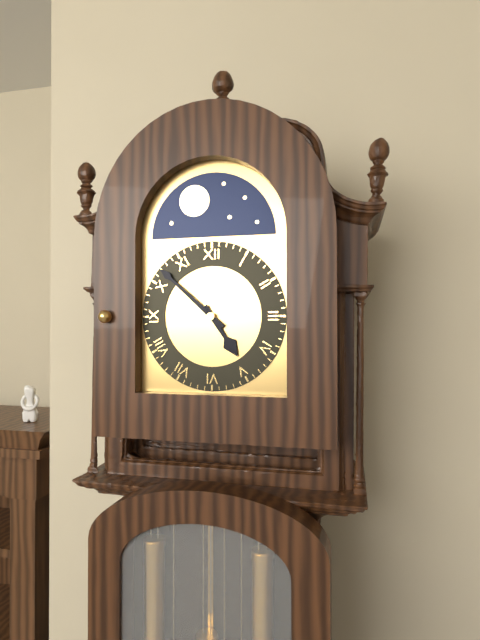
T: 4.52
